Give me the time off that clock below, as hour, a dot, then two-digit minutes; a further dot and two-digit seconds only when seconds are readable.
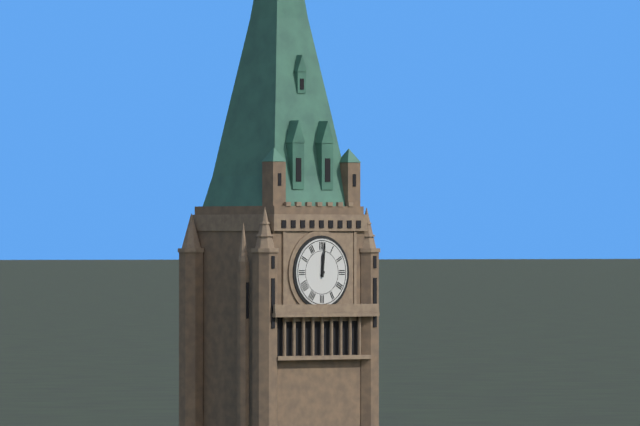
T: 12.01
